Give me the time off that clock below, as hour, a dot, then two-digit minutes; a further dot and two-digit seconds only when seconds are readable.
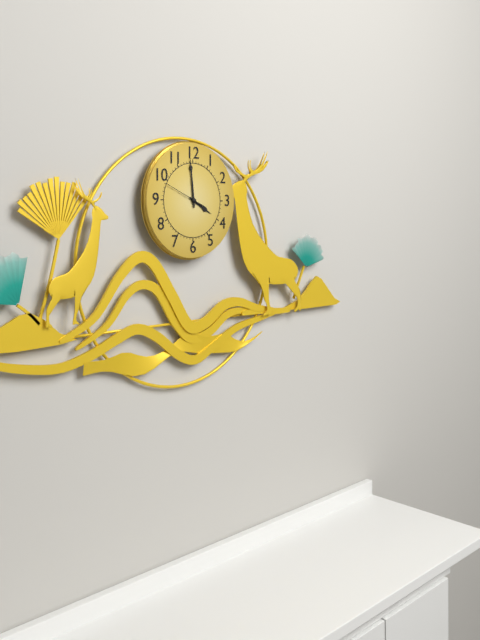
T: 3.59
